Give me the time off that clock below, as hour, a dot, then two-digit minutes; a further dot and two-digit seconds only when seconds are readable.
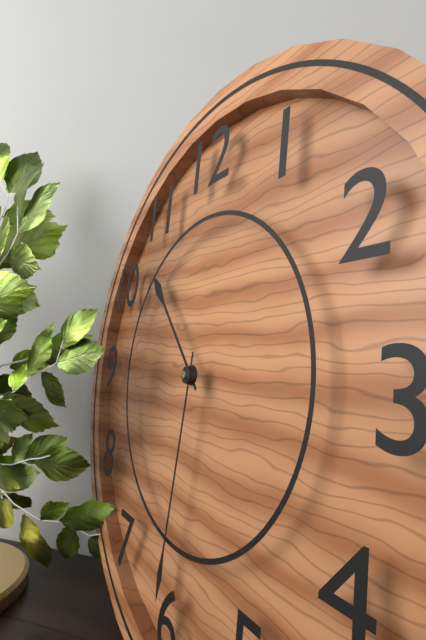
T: 10.31
